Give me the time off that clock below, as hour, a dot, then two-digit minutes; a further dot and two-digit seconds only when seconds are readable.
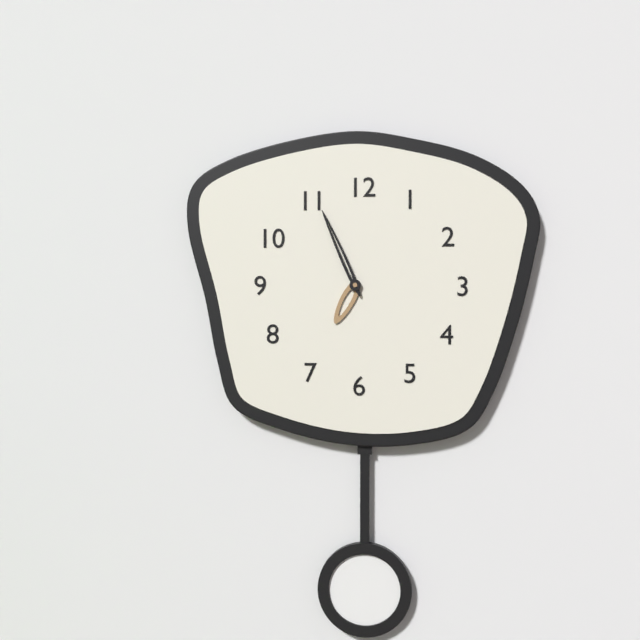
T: 6.56
